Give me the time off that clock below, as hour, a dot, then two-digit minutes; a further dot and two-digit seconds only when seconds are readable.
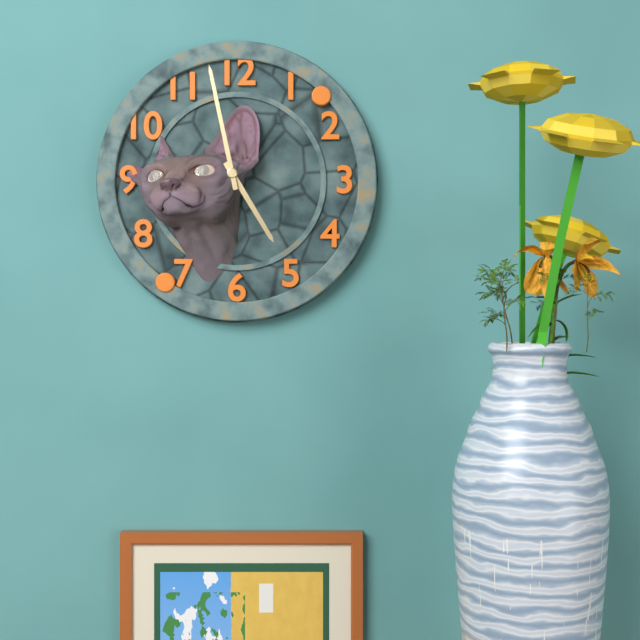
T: 4.58
